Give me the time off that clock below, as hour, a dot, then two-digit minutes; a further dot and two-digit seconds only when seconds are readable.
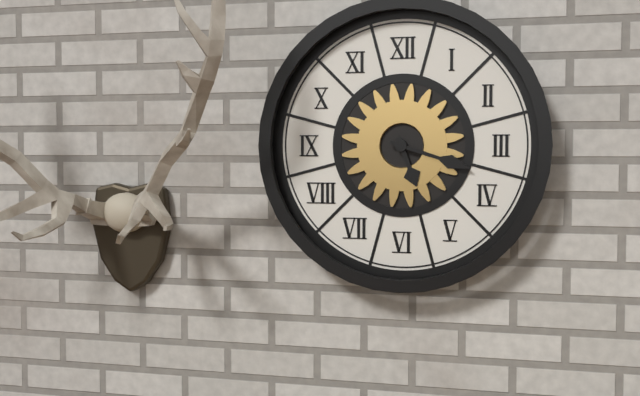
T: 5.18
